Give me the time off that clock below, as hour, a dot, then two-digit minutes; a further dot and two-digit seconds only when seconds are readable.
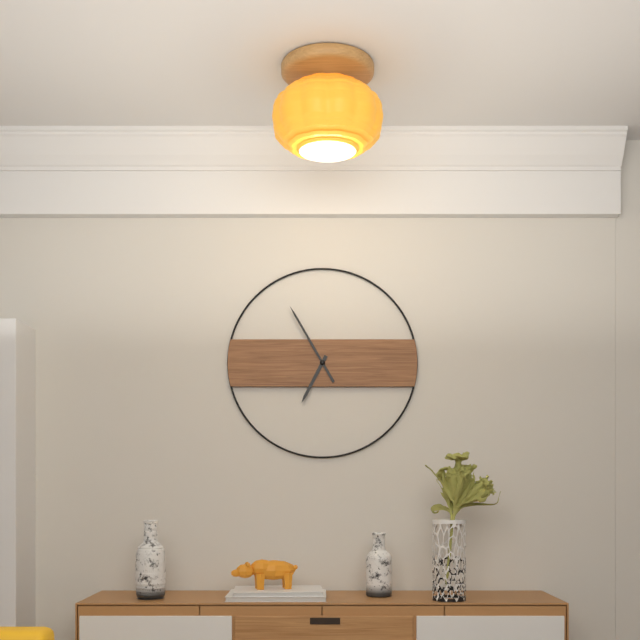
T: 6.55
